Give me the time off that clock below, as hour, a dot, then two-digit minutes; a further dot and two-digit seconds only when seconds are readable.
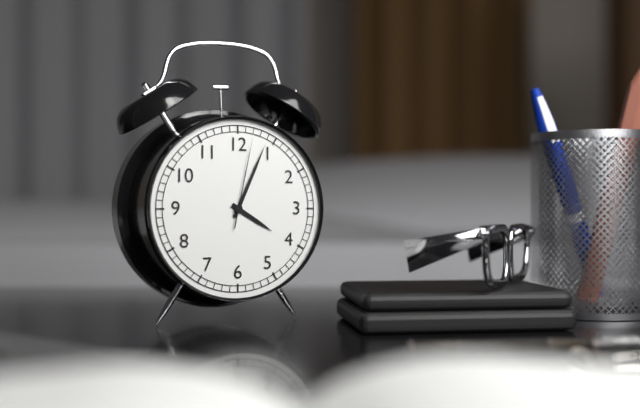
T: 4.04.02
